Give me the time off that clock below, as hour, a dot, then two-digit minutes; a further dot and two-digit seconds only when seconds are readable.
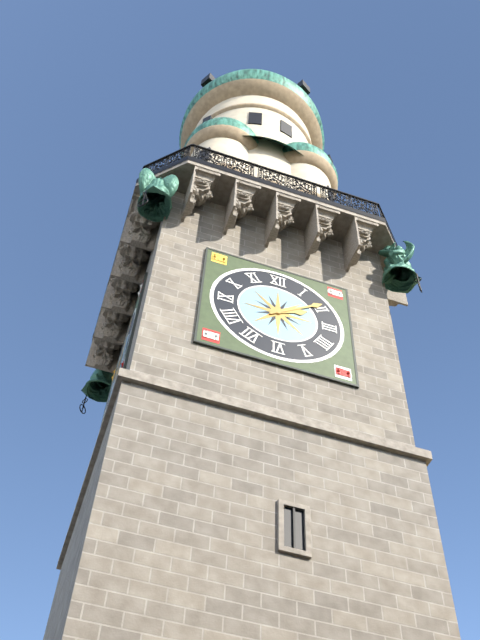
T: 2.09
